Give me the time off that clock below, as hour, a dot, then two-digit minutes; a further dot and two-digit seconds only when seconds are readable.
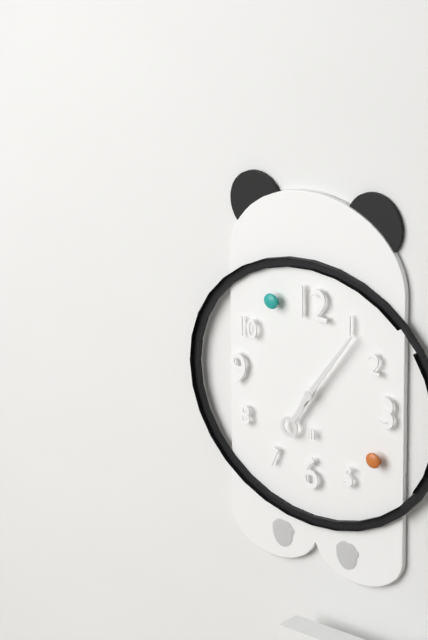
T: 7.06
